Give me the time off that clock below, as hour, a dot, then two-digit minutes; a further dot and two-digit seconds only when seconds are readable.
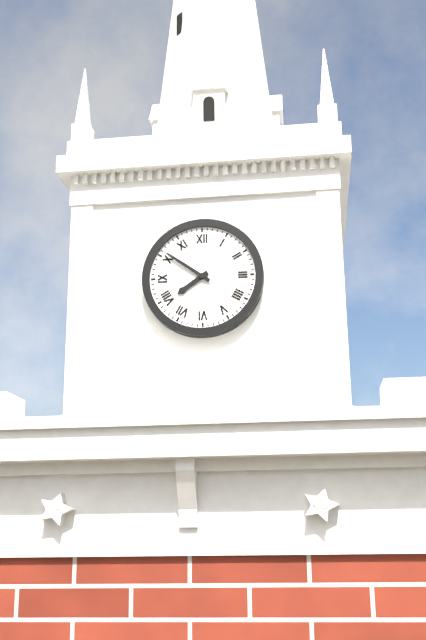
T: 7.51
